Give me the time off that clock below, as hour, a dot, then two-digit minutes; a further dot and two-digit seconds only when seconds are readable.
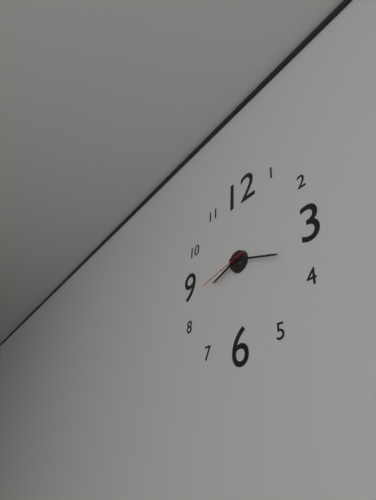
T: 8.18.43
